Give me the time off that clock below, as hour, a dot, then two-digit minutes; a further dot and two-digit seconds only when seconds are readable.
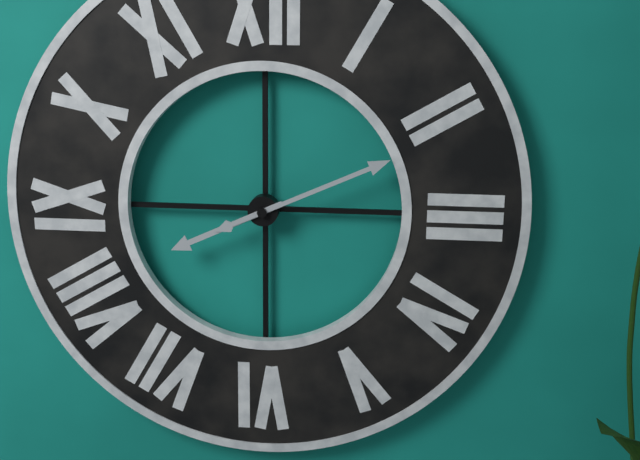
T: 8.11
